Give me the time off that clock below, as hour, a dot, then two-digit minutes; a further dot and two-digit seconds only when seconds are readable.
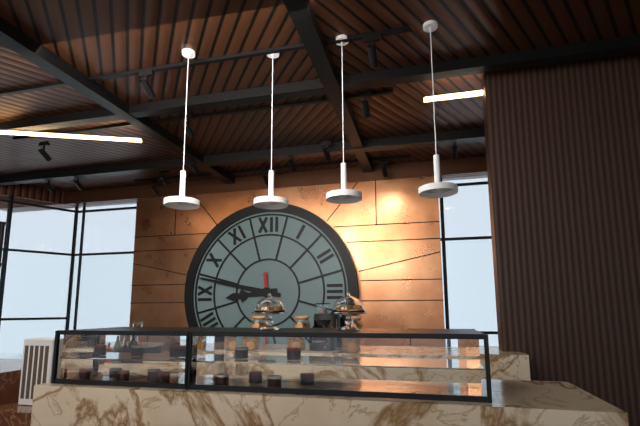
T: 8.47
